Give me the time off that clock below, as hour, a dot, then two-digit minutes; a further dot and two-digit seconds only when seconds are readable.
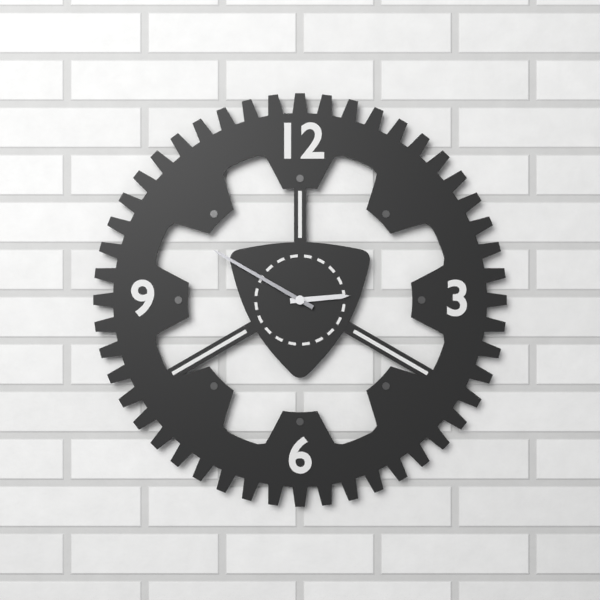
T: 2.50
